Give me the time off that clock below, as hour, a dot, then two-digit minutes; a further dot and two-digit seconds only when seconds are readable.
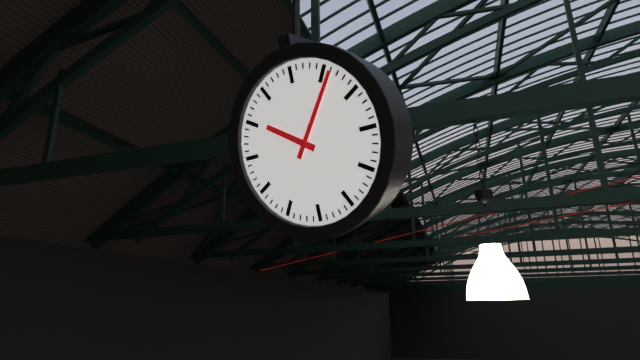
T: 10.06
